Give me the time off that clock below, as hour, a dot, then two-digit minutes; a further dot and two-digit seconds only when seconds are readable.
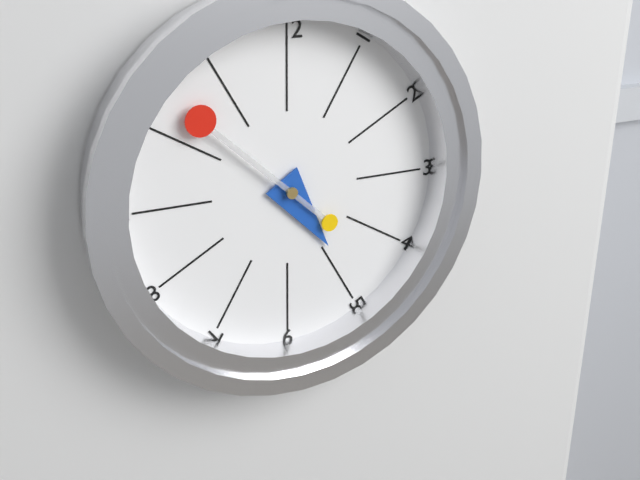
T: 4.52
